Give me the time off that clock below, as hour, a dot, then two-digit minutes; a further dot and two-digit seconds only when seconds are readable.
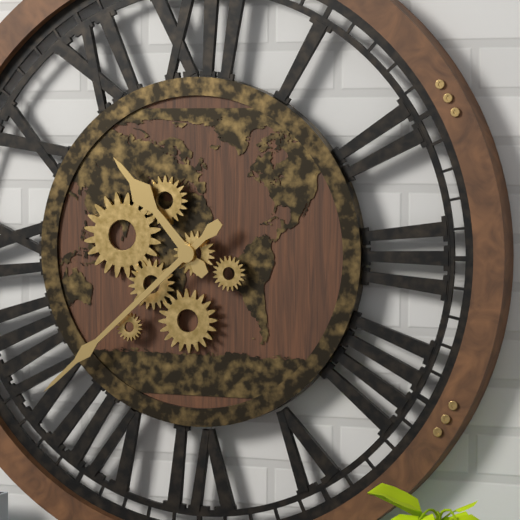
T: 10.38
